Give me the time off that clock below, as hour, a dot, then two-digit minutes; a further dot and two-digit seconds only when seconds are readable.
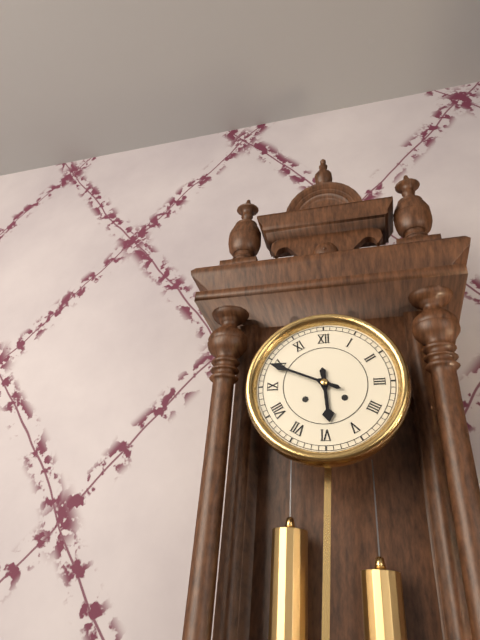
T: 5.49
